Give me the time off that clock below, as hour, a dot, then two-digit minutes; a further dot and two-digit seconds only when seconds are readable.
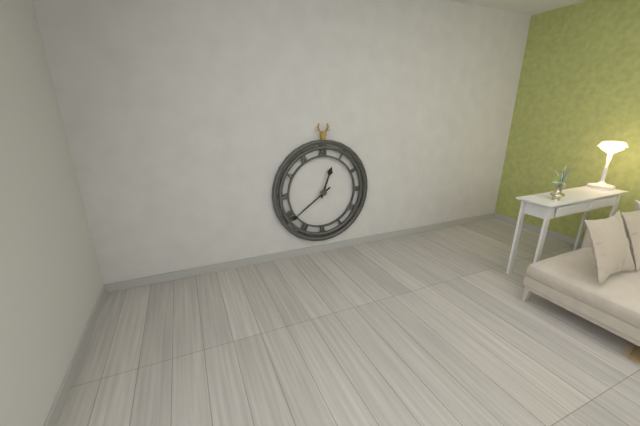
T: 12.39
